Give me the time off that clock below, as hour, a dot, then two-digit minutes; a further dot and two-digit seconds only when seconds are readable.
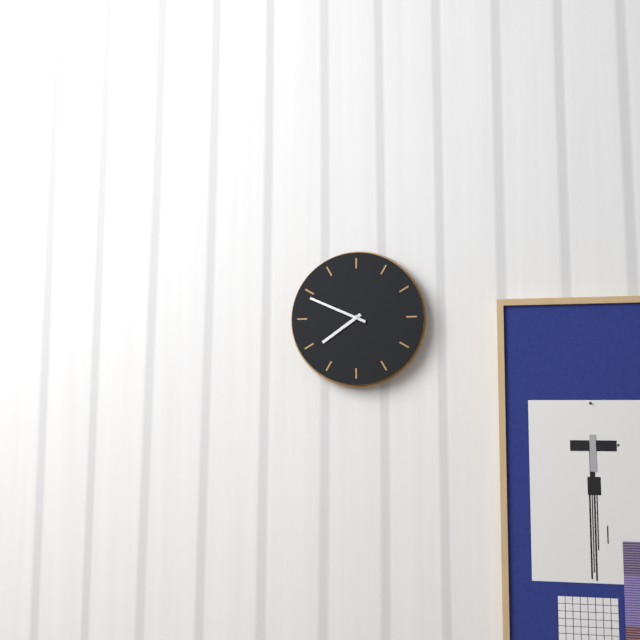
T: 7.49
